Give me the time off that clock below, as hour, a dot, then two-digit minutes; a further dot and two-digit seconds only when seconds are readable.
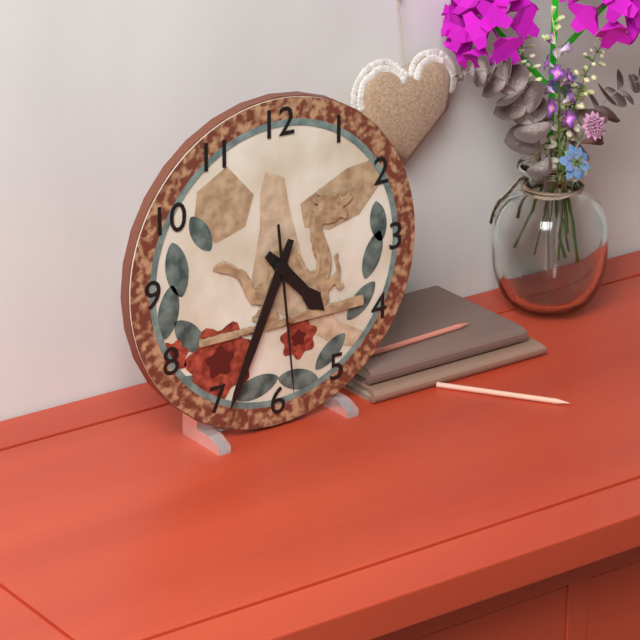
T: 4.34.29
